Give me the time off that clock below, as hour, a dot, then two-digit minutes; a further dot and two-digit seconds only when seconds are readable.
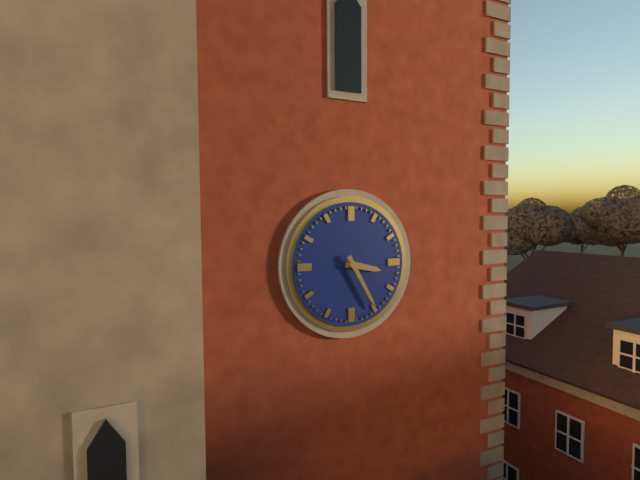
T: 3.25
